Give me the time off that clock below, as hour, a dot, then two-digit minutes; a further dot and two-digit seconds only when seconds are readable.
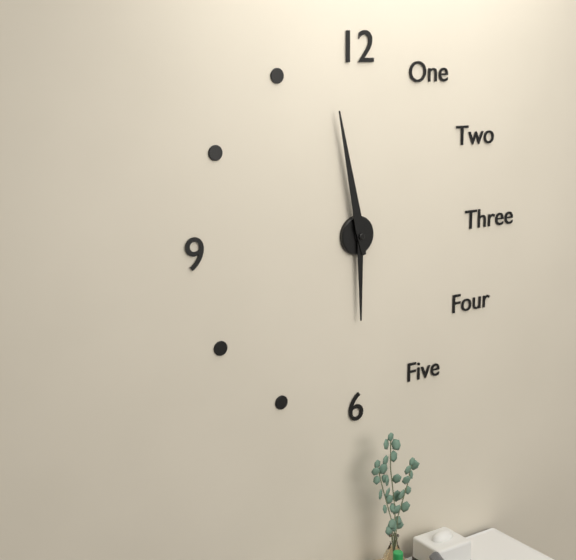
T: 5.58
